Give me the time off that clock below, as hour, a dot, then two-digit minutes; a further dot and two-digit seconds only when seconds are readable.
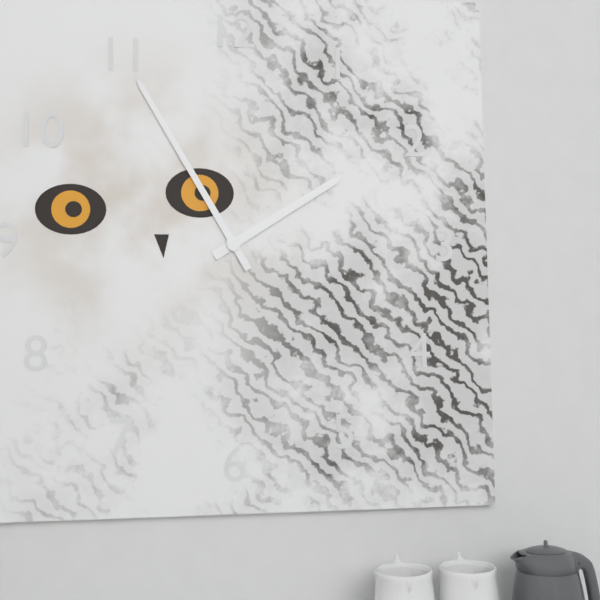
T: 1.55
